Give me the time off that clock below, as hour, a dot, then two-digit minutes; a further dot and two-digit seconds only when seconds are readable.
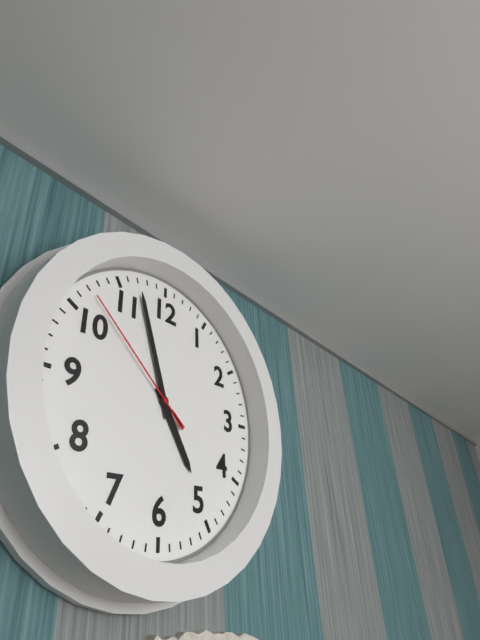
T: 4.57.52
